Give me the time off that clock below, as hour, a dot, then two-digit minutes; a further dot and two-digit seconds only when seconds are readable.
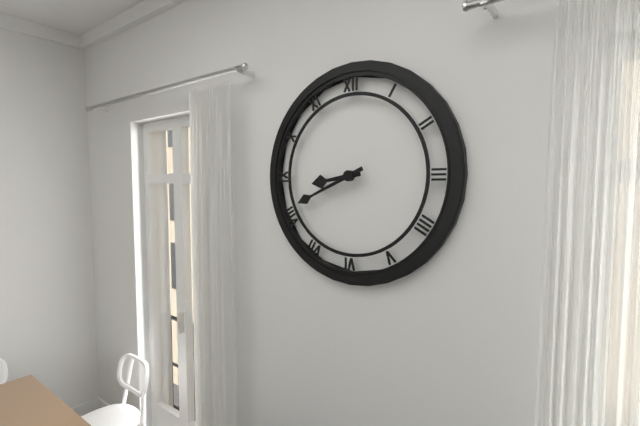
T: 8.41
